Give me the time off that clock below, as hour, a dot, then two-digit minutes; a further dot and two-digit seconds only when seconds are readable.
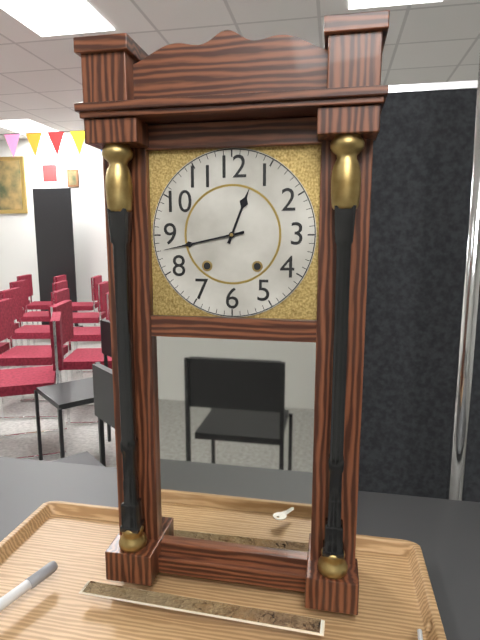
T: 12.43
